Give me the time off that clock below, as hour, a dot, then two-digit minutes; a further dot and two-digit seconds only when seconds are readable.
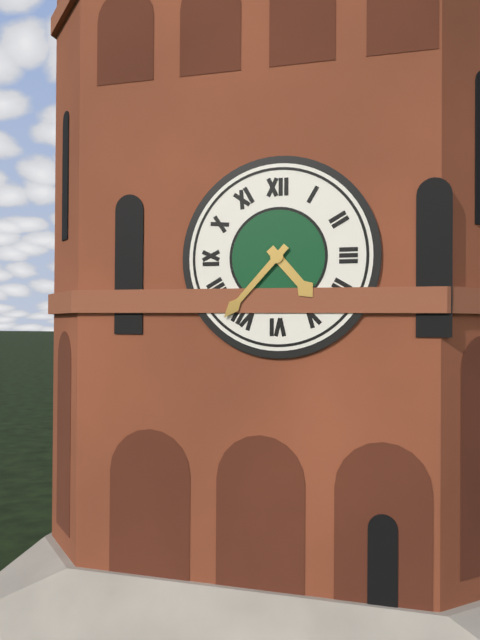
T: 4.37
